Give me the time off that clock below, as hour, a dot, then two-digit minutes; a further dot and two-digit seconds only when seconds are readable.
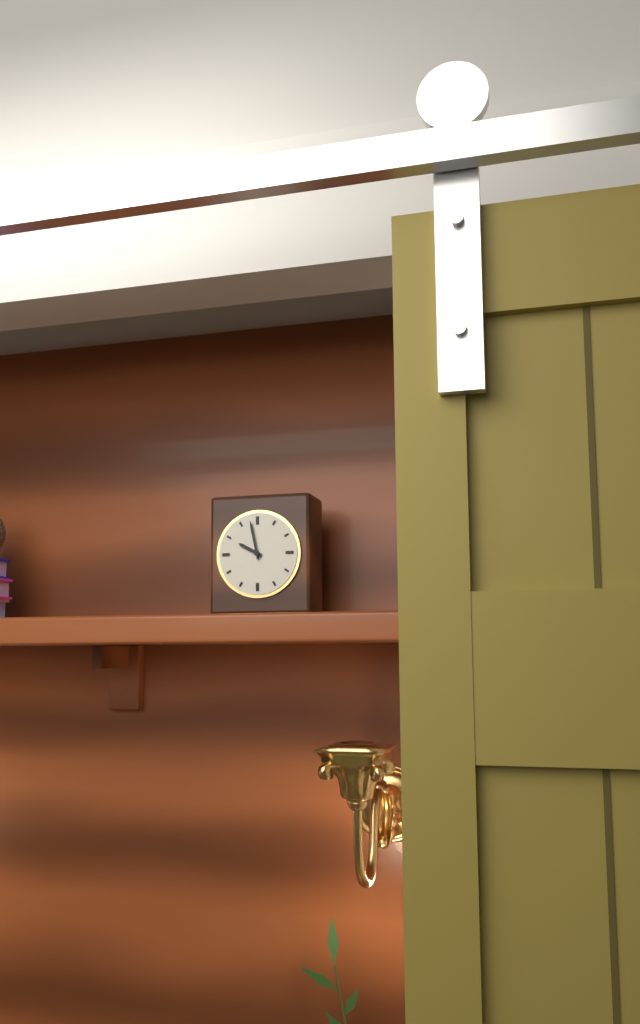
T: 9.58
